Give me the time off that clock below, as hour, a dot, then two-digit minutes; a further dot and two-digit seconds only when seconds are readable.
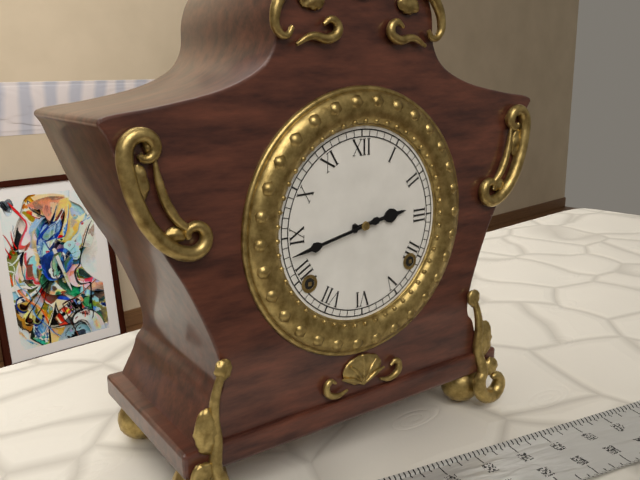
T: 2.43
